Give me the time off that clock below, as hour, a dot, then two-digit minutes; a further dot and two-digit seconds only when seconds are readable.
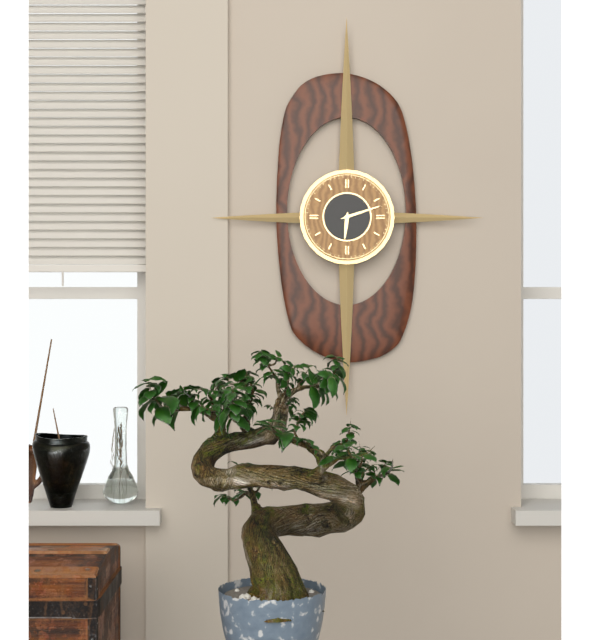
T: 6.12
